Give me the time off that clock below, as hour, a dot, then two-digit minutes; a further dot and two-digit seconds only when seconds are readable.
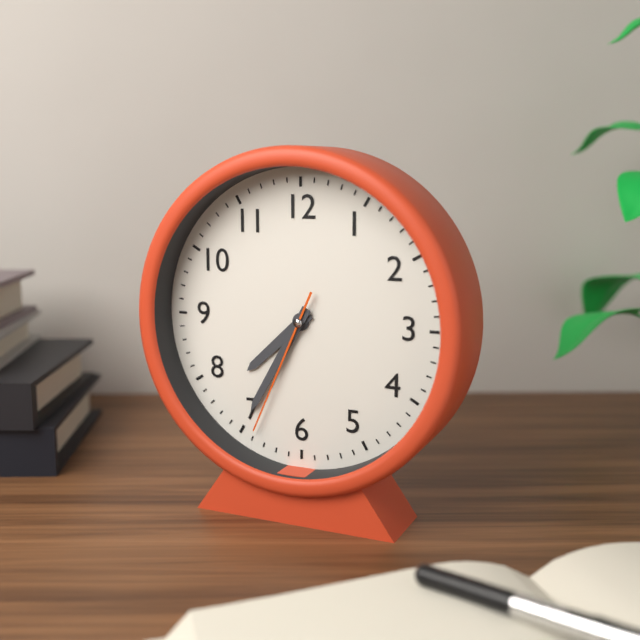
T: 7.35.34
